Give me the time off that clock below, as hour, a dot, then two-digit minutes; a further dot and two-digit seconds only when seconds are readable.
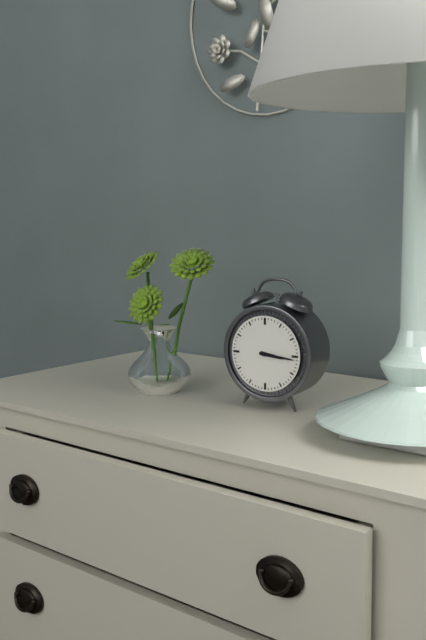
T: 3.16
